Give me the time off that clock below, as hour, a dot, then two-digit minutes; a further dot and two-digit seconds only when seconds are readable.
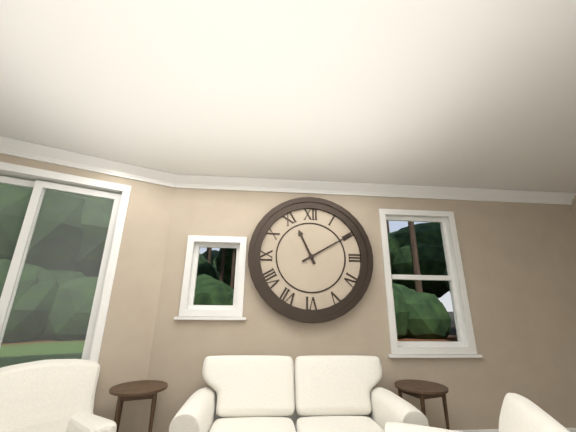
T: 11.10
